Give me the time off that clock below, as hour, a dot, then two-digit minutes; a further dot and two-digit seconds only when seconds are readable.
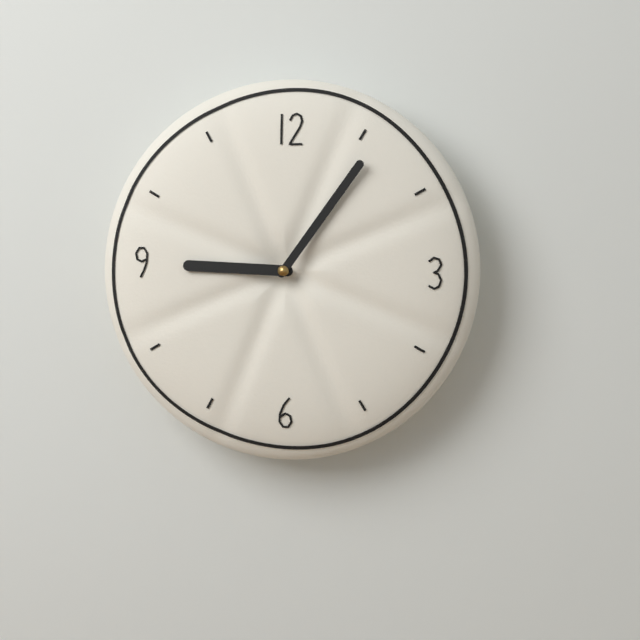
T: 9.06
